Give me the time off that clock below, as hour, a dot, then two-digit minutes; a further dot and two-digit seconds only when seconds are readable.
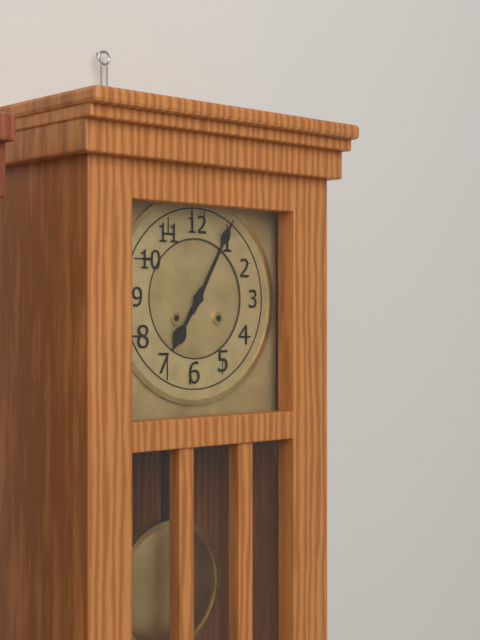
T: 7.05
